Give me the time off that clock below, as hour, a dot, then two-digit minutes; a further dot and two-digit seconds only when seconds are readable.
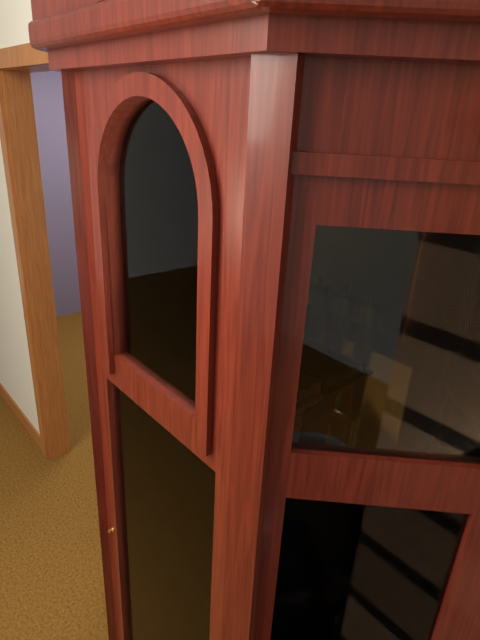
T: 6.45
